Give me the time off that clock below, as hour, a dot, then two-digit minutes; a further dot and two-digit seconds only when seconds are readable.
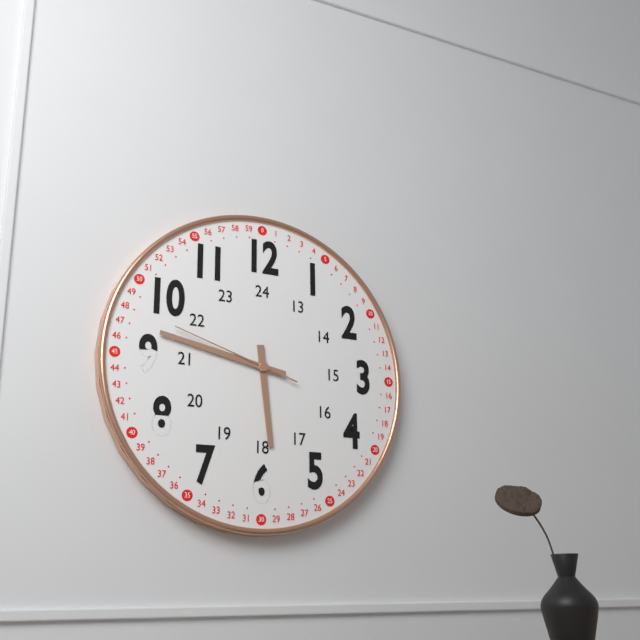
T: 5.47.48
